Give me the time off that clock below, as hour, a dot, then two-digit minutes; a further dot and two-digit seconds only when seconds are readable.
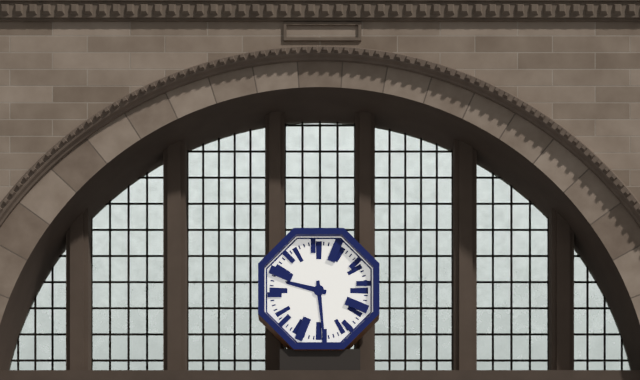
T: 9.29
